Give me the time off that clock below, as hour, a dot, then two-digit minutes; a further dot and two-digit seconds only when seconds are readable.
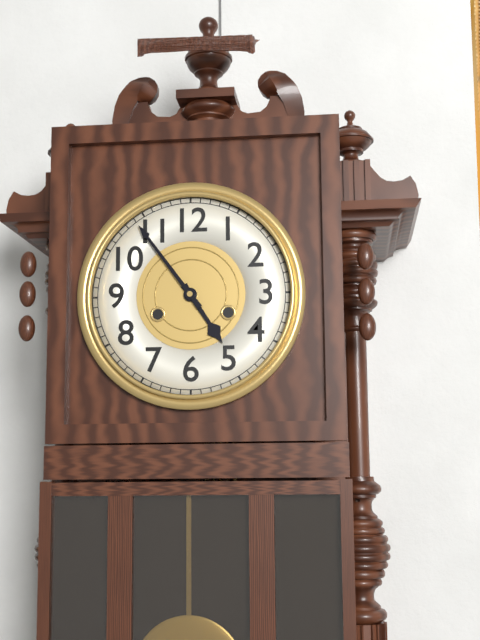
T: 4.54
